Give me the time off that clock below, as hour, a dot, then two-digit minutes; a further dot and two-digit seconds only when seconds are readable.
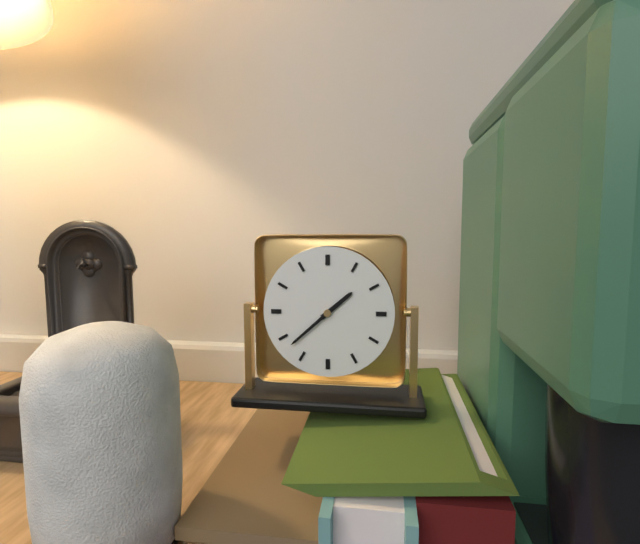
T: 1.38
